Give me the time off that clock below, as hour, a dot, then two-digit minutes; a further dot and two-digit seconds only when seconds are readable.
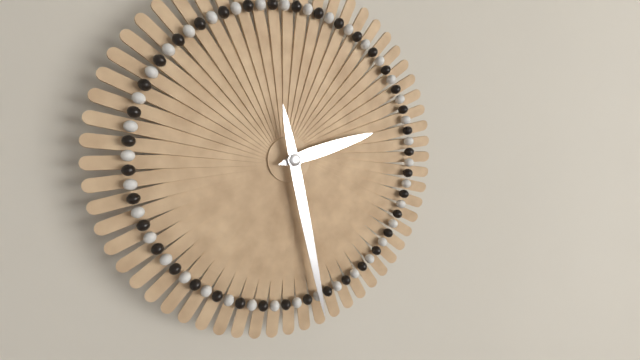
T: 2.28
